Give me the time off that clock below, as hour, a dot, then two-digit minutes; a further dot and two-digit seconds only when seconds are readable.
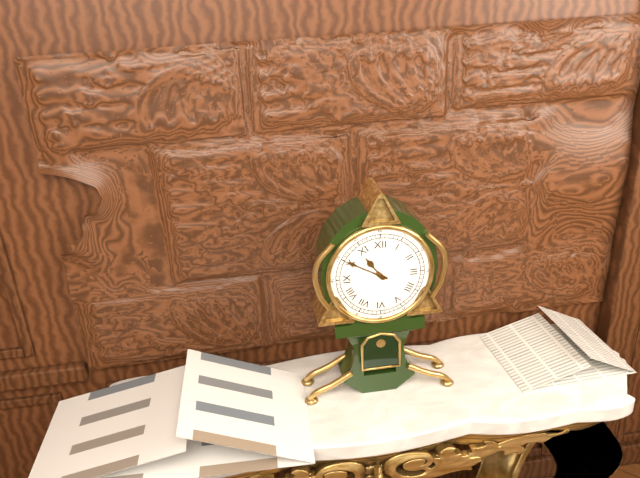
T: 10.50
